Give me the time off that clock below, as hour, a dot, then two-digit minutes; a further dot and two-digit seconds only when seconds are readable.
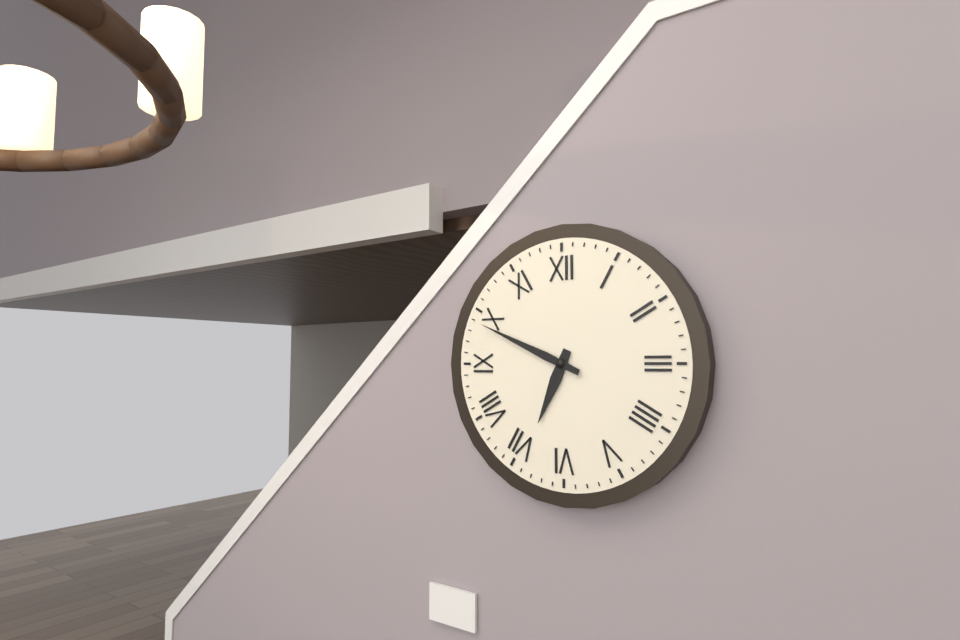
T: 6.49
